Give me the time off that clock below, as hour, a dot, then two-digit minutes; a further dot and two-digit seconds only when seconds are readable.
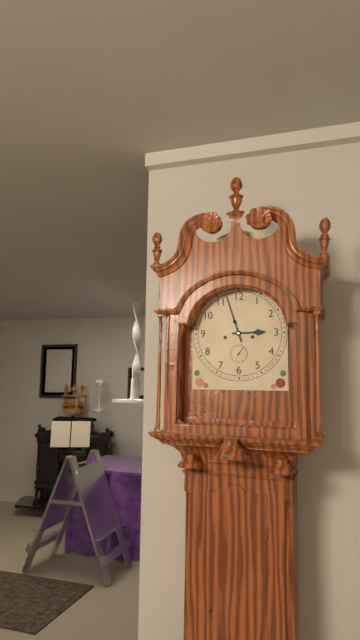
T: 2.57
